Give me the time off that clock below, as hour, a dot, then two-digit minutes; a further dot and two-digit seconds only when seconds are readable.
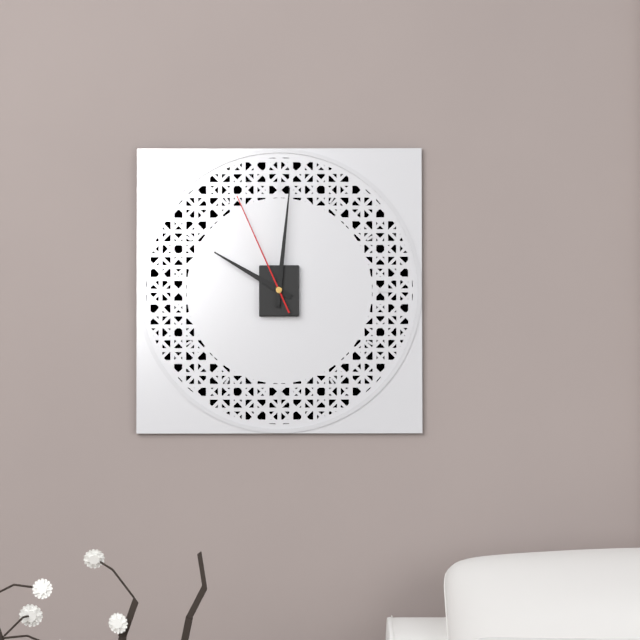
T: 10.01.56
